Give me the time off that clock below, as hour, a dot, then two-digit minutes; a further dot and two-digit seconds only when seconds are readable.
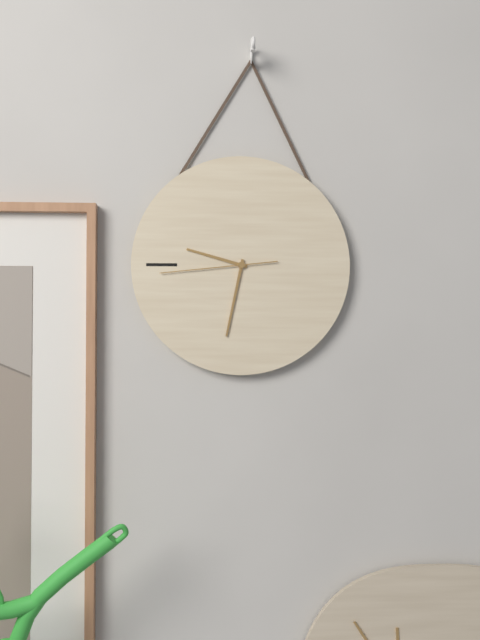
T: 9.32.44
